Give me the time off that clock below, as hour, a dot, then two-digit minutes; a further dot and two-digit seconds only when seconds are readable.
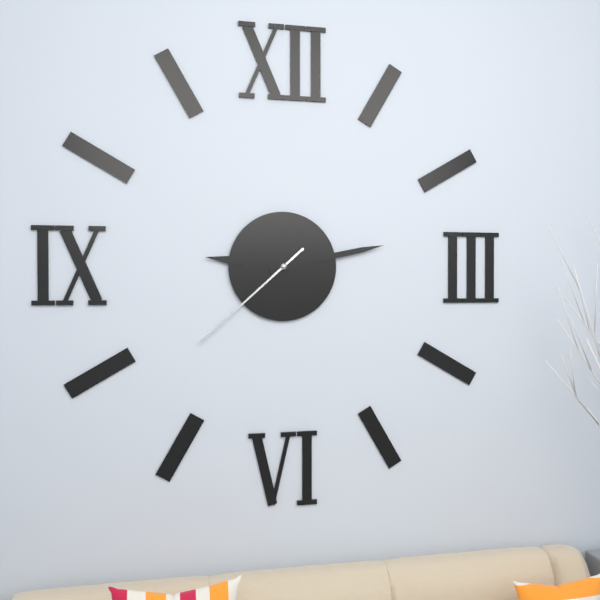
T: 9.13.38
